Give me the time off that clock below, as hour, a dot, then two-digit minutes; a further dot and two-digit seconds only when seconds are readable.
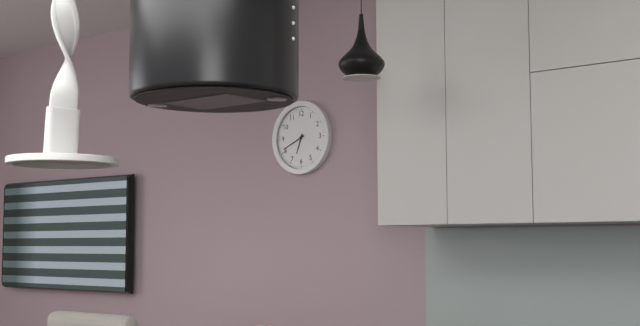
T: 6.41
